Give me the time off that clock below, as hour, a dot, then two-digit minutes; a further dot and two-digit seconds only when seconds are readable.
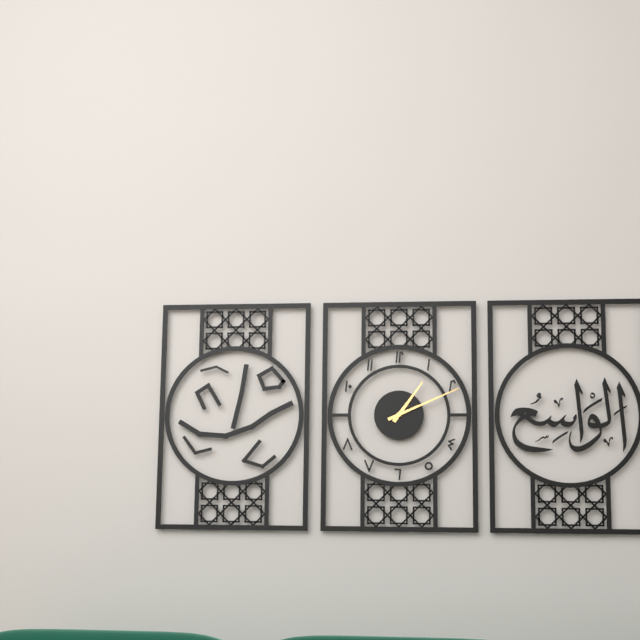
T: 1.11
